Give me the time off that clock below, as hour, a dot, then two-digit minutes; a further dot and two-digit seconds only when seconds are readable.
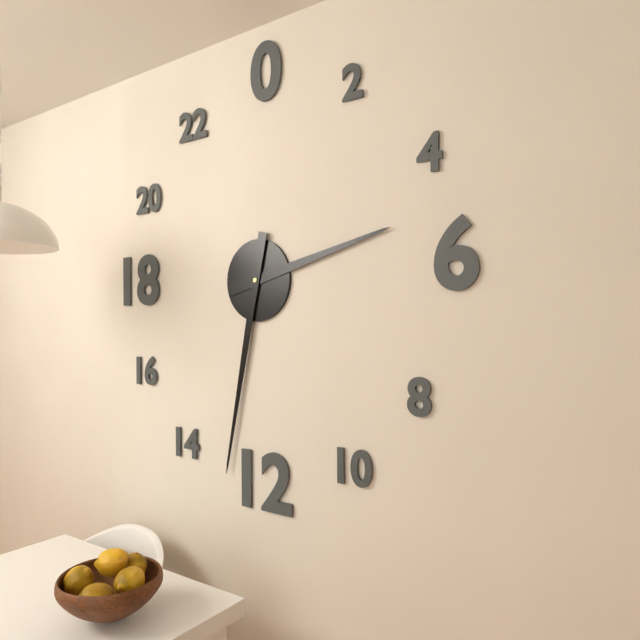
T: 2.32
